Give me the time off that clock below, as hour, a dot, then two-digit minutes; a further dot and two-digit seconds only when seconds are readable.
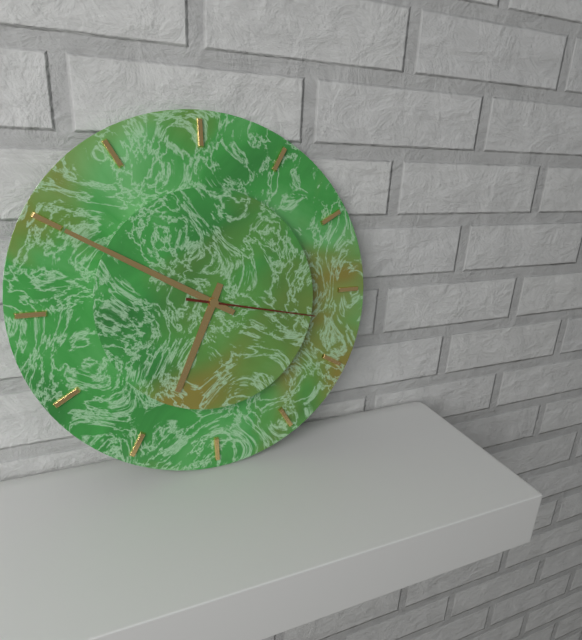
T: 6.50.17
